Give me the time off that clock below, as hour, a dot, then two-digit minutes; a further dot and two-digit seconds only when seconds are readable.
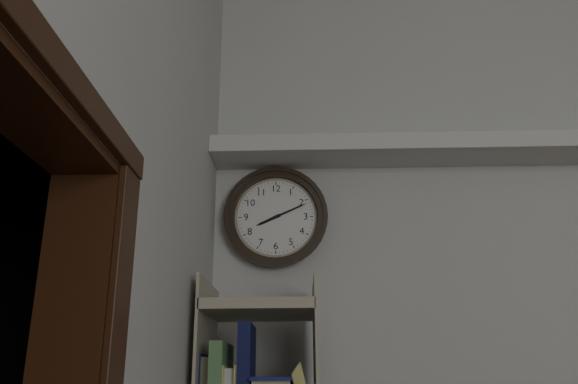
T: 8.11
